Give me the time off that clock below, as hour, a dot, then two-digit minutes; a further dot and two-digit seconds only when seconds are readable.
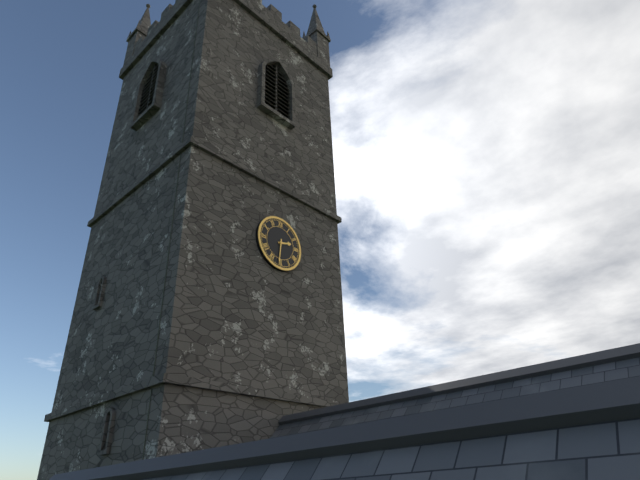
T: 2.31
